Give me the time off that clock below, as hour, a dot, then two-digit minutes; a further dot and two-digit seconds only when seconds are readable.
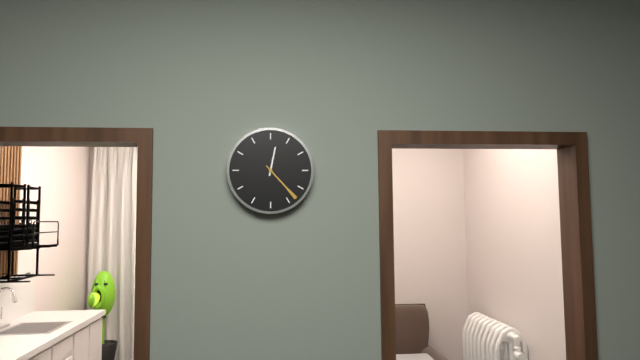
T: 12.23
